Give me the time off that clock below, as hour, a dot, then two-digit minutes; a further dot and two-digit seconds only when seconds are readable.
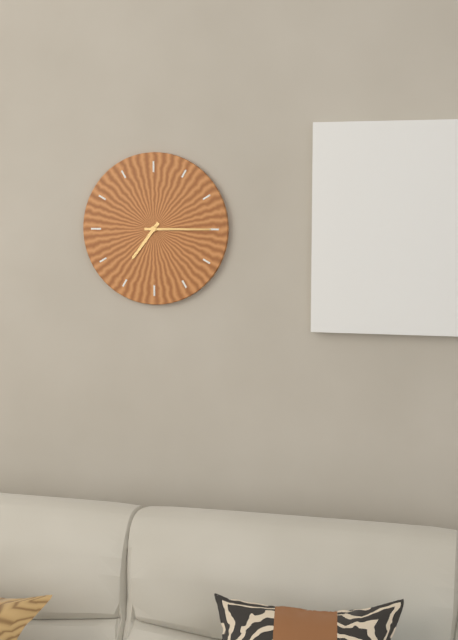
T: 7.15
